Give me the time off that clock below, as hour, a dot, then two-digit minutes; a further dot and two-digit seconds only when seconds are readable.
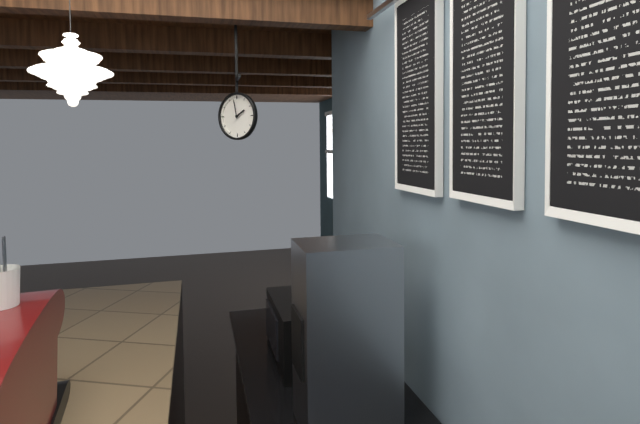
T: 1.58
